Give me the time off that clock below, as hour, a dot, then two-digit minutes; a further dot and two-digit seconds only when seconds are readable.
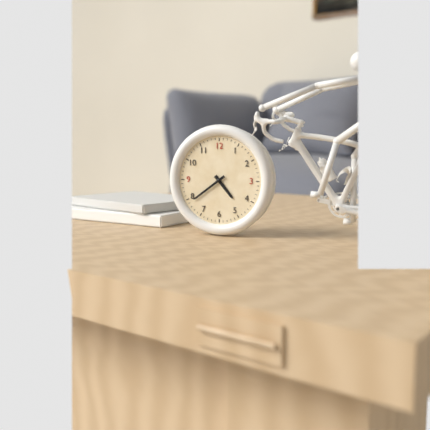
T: 4.39
